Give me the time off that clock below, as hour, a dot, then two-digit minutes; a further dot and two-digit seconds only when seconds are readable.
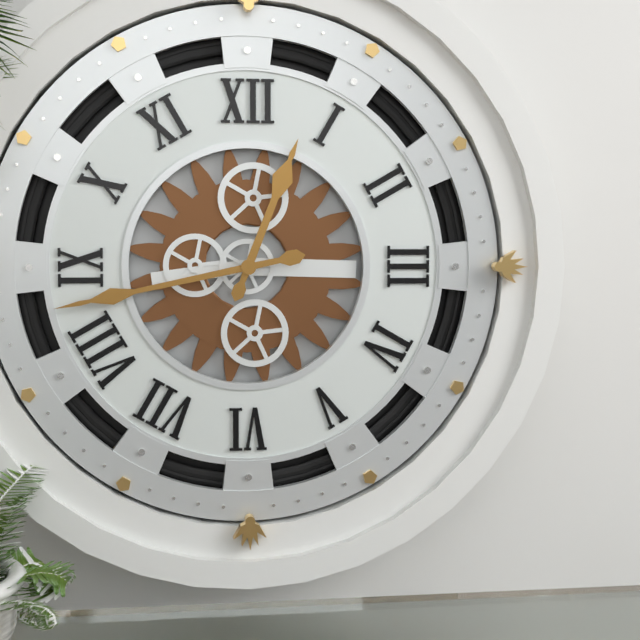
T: 12.43
